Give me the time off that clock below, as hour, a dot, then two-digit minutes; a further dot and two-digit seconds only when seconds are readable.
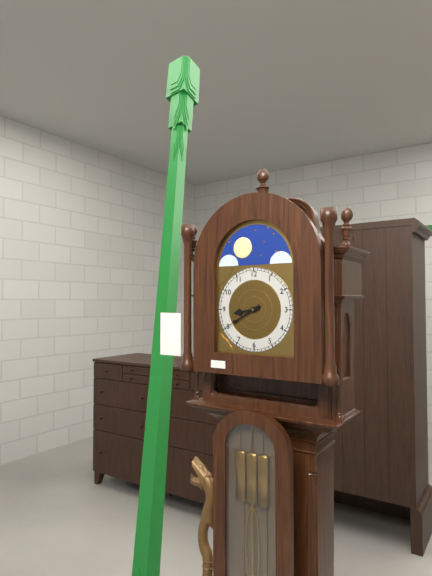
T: 8.40
